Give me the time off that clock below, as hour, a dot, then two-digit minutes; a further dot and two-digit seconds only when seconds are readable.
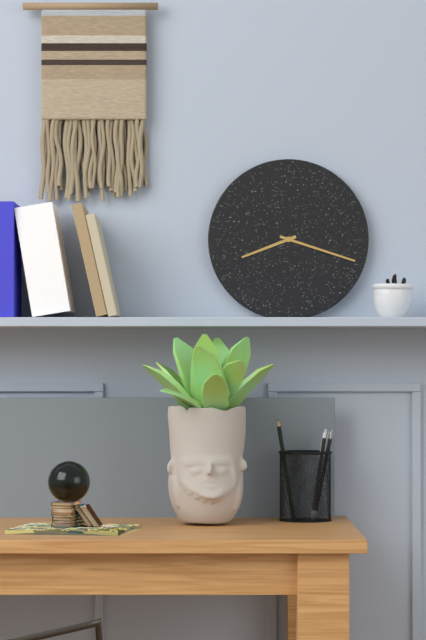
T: 8.18
